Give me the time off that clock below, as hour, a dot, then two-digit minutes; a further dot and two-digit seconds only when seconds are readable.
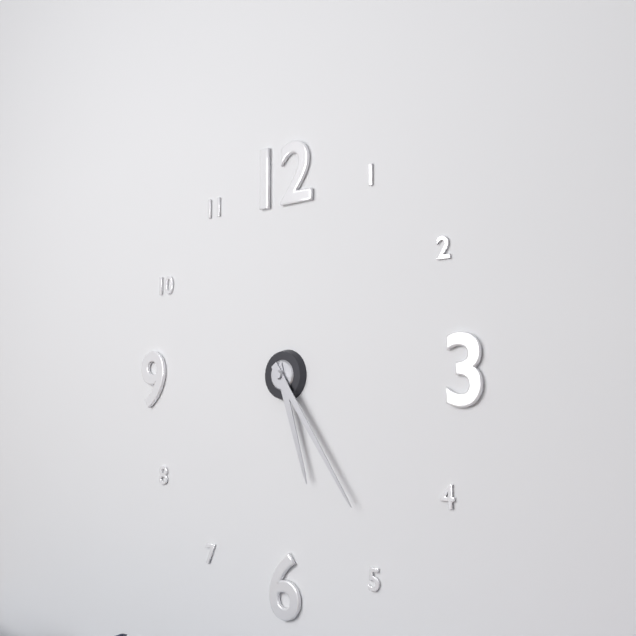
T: 5.24
